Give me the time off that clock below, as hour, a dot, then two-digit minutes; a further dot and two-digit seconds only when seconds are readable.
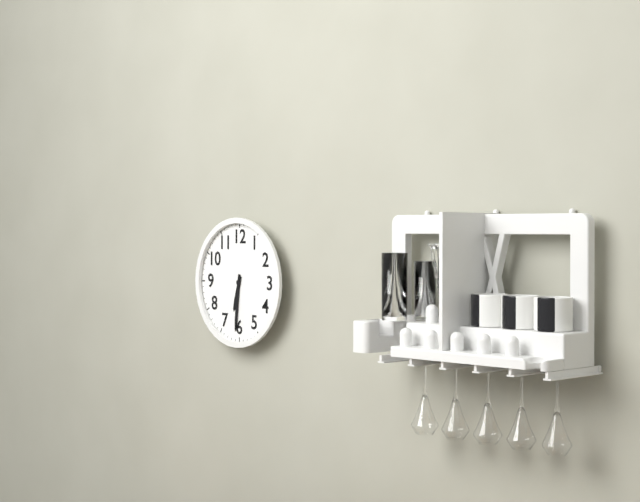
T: 6.31
